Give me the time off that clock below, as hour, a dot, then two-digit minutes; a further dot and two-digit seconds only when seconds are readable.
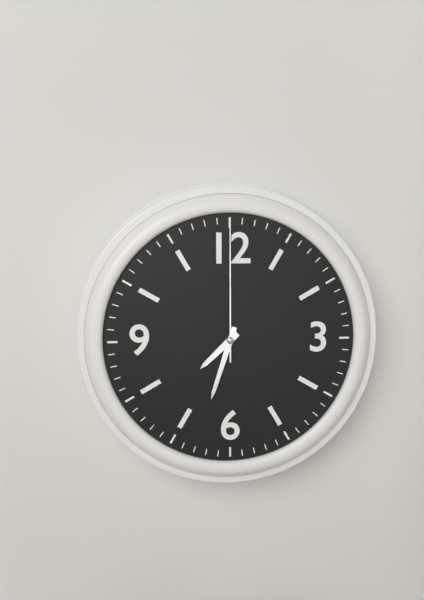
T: 7.33.00
